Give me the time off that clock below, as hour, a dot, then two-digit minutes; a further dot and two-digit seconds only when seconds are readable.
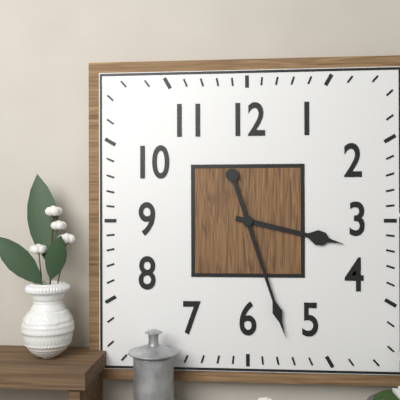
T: 3.27
